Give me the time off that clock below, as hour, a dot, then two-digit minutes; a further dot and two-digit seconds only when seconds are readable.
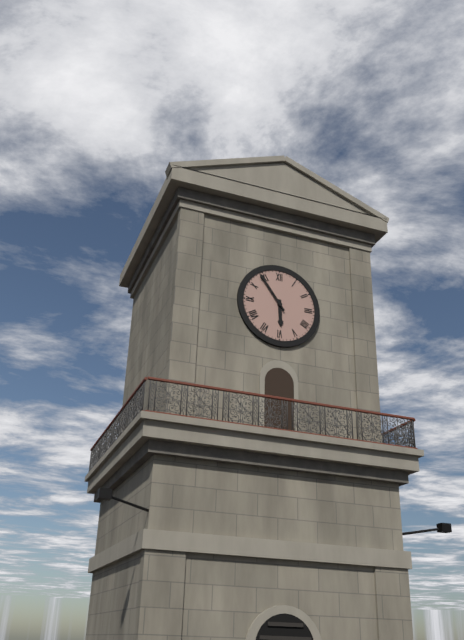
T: 5.54
